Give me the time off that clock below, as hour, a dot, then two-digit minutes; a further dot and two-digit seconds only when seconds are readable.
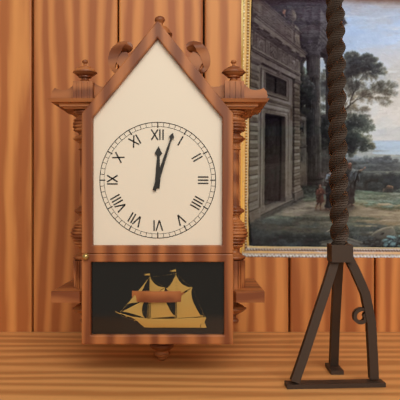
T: 12.03
